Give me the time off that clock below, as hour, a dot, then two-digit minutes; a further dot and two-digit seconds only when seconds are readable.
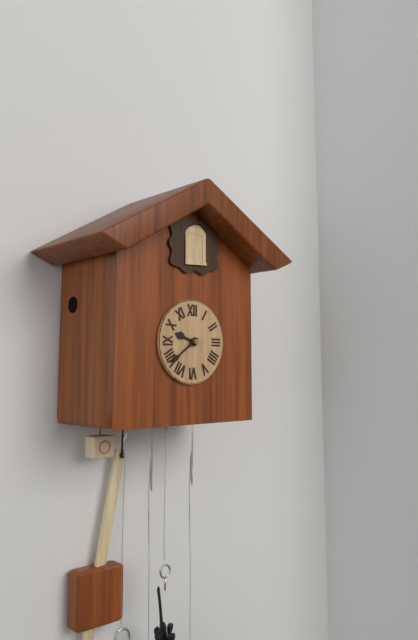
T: 9.39
